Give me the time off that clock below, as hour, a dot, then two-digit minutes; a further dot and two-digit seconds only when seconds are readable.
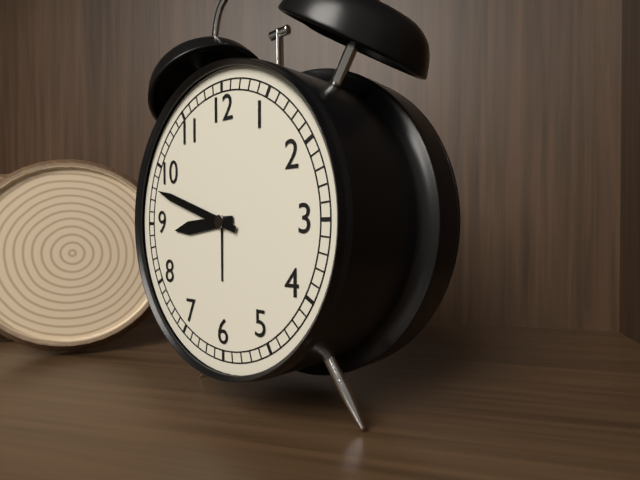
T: 8.48
